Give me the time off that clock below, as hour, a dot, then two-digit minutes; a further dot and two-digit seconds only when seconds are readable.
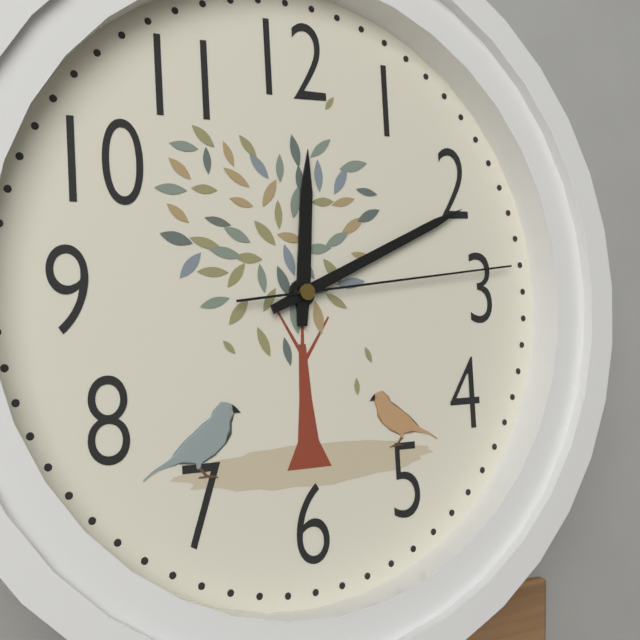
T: 12.11.14
